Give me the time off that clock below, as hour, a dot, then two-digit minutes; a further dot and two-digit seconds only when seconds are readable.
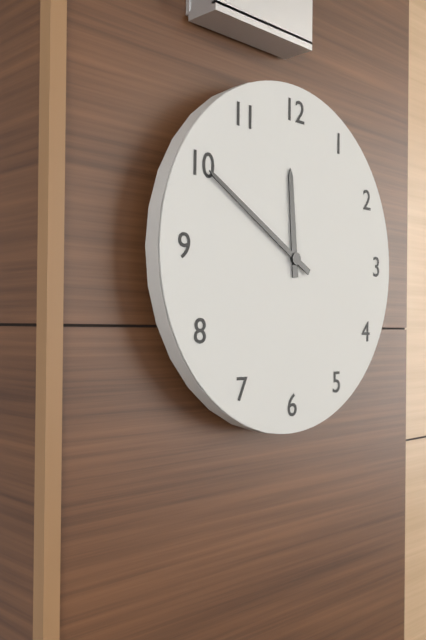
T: 11.50
